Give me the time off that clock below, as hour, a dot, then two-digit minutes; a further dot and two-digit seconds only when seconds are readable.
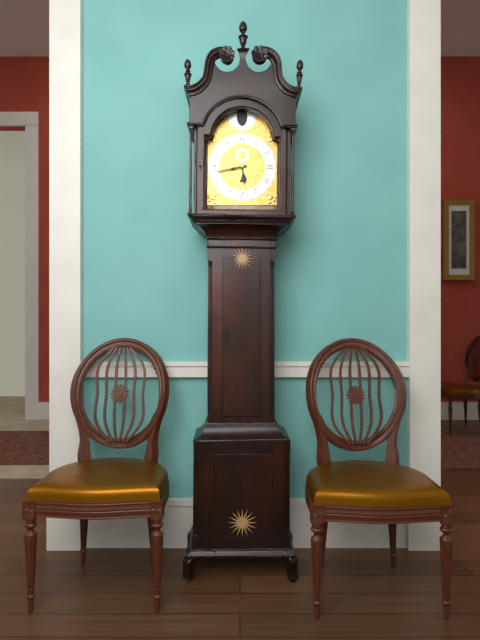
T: 5.43
